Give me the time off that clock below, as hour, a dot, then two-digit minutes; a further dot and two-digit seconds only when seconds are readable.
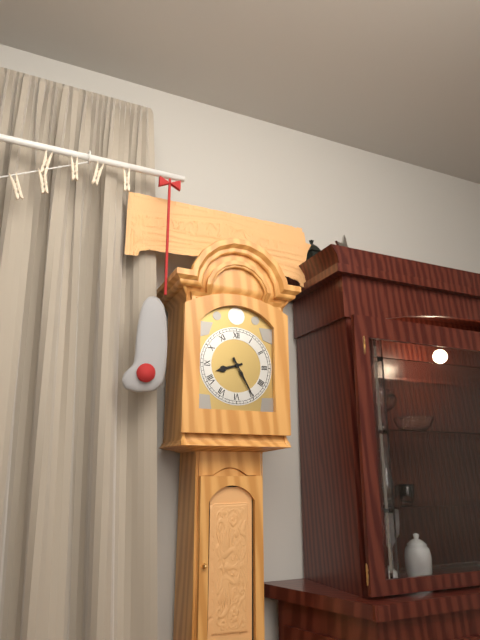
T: 8.25
